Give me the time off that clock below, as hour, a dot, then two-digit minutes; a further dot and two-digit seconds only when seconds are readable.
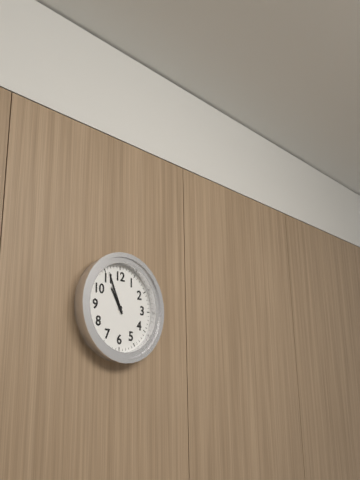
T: 10.56
